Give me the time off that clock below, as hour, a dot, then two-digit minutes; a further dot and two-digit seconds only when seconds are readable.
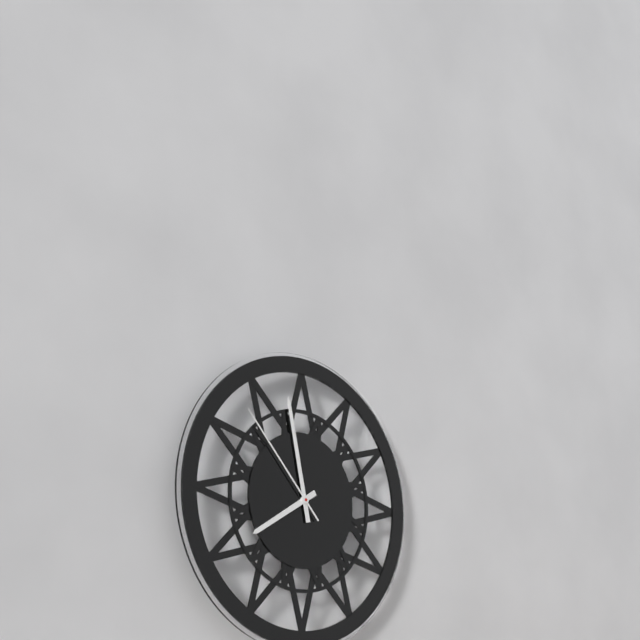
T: 7.58.53
